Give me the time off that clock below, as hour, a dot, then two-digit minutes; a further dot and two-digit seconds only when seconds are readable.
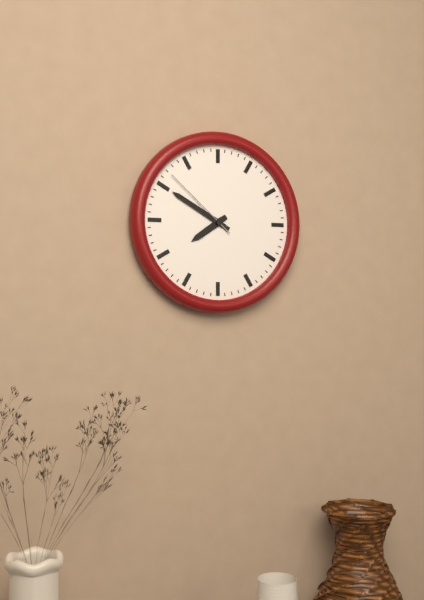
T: 7.50.52
